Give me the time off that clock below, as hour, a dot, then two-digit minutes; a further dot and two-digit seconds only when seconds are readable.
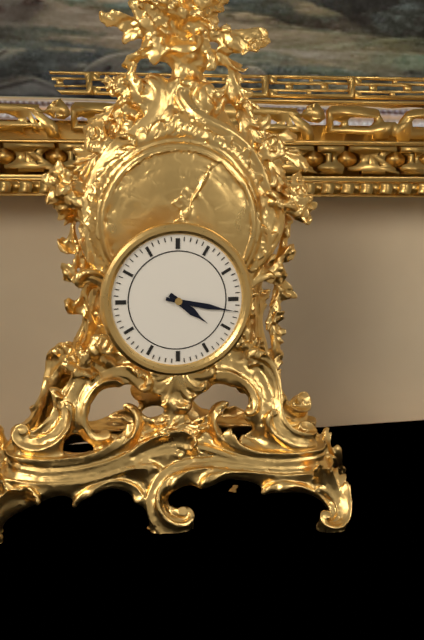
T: 4.17
